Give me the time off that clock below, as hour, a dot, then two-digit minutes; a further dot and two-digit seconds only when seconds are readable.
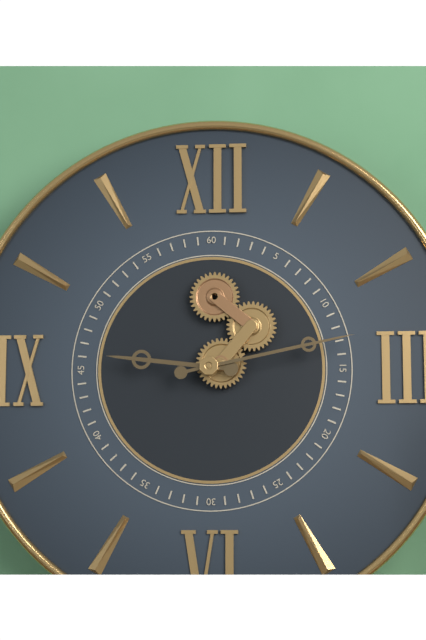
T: 9.13
